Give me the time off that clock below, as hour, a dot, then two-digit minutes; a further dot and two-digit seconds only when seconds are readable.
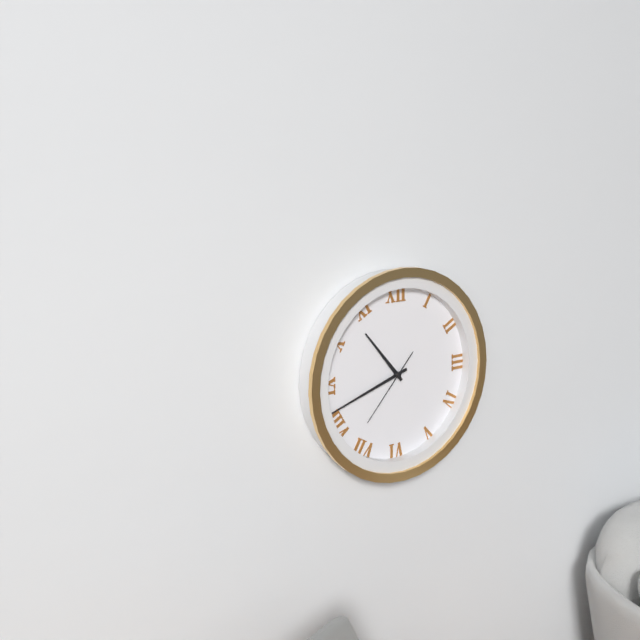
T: 10.42.37
